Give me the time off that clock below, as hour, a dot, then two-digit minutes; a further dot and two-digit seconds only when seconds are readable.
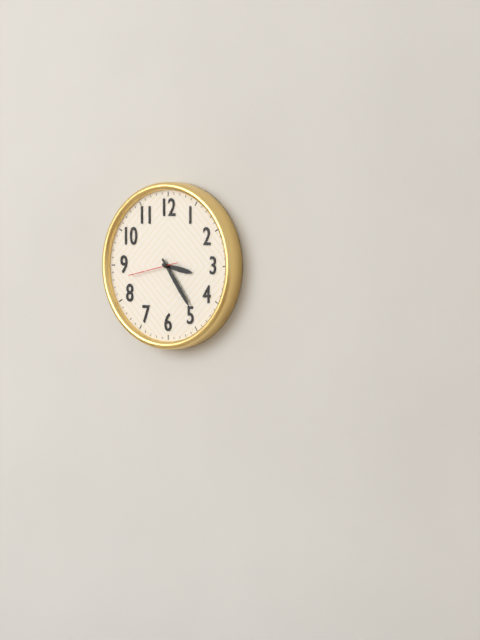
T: 3.24
